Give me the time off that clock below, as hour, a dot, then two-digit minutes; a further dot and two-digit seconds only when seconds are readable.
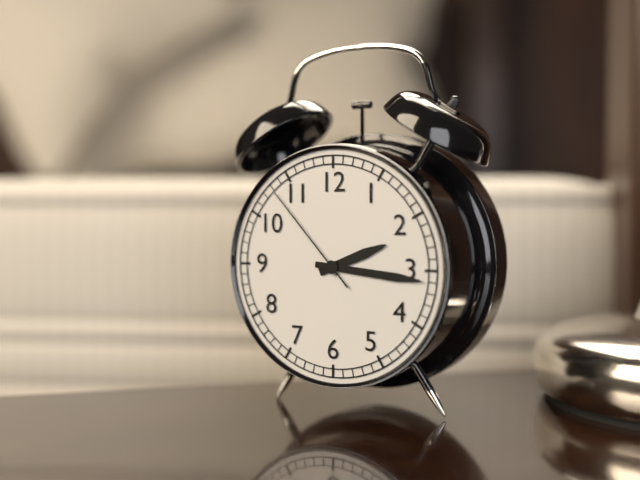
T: 2.16.53
